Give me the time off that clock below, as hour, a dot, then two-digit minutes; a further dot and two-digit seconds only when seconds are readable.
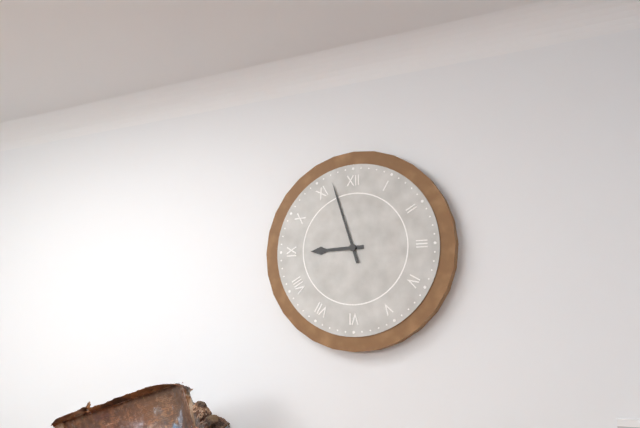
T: 8.57
